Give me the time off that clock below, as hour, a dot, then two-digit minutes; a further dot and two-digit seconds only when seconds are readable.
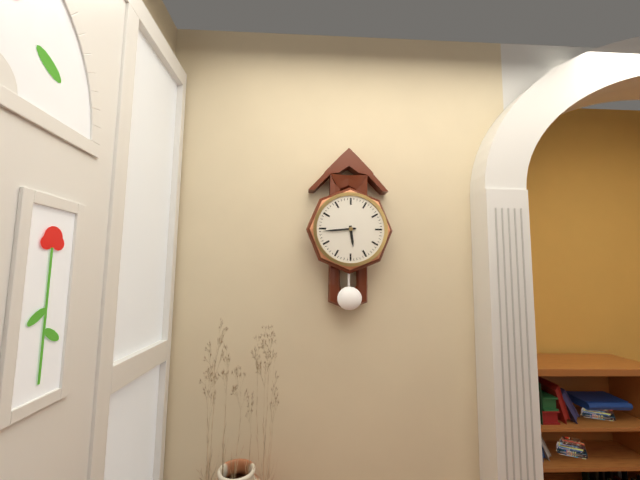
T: 5.44
